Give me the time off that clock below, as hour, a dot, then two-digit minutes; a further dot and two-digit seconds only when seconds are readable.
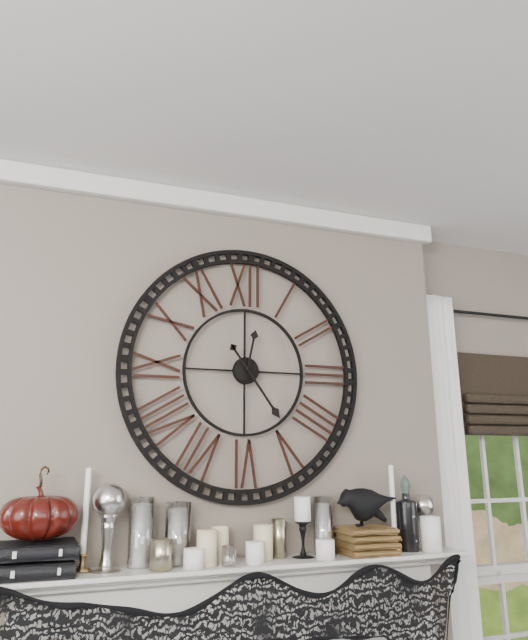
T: 12.24
